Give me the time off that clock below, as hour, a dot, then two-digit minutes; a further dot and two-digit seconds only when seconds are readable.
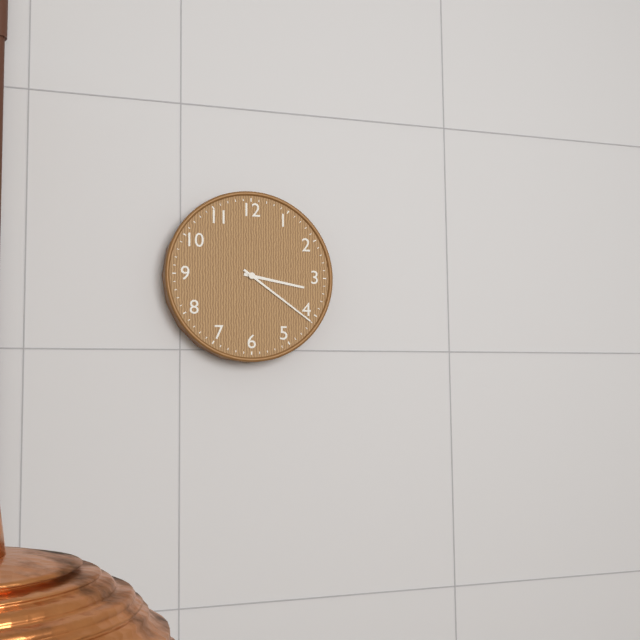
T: 3.21
